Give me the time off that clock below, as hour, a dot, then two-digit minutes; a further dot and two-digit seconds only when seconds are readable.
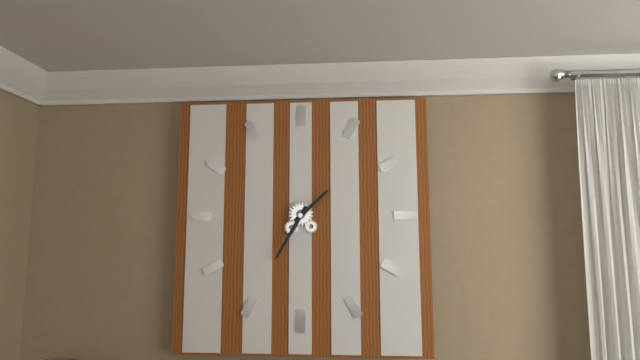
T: 1.35
